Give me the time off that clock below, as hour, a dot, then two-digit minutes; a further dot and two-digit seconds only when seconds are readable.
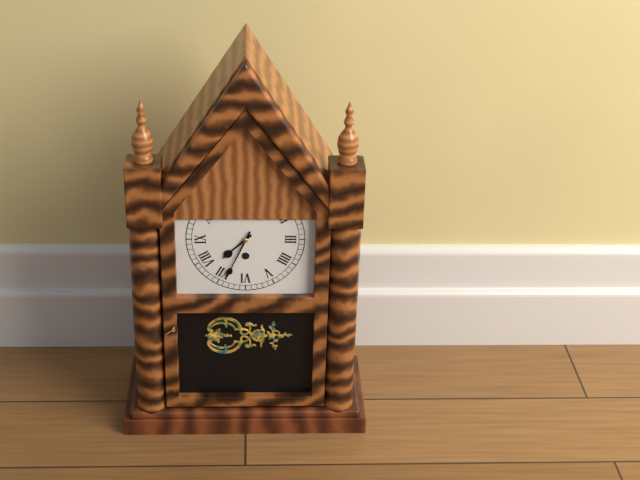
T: 7.34
